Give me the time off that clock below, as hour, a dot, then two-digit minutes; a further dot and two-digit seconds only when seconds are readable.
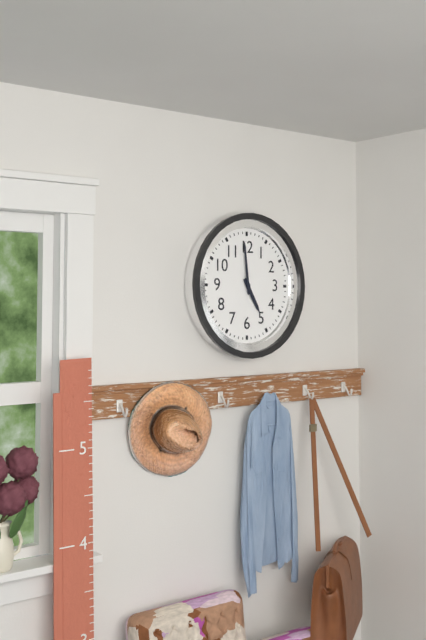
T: 4.59
